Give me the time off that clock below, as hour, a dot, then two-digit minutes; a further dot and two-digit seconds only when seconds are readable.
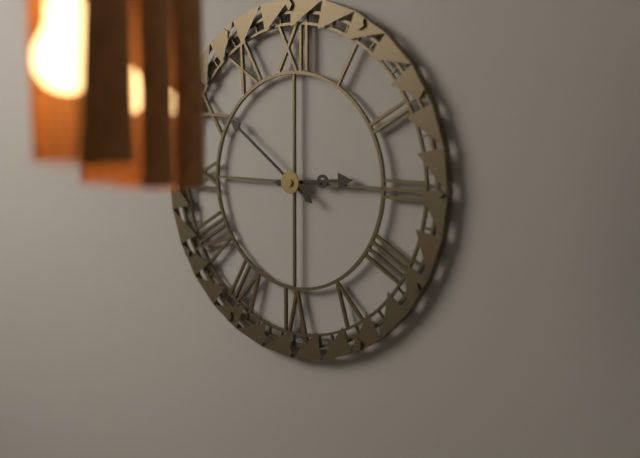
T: 2.51
